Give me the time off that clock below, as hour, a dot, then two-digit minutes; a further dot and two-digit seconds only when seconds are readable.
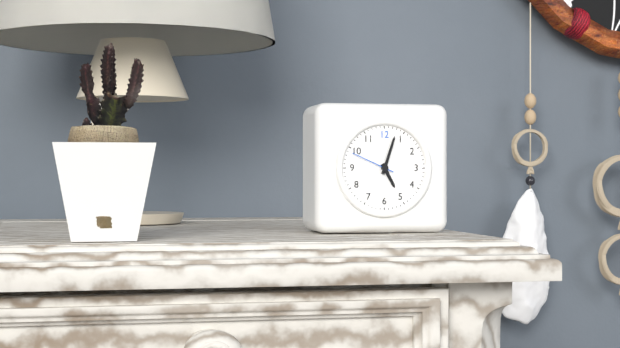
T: 5.03
